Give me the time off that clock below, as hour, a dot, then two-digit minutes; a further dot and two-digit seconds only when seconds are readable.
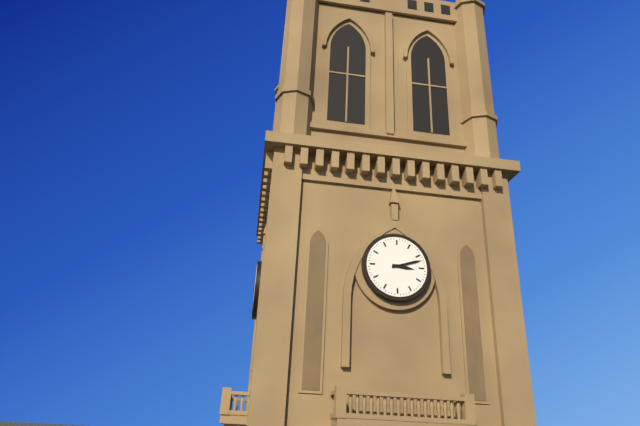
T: 3.12
